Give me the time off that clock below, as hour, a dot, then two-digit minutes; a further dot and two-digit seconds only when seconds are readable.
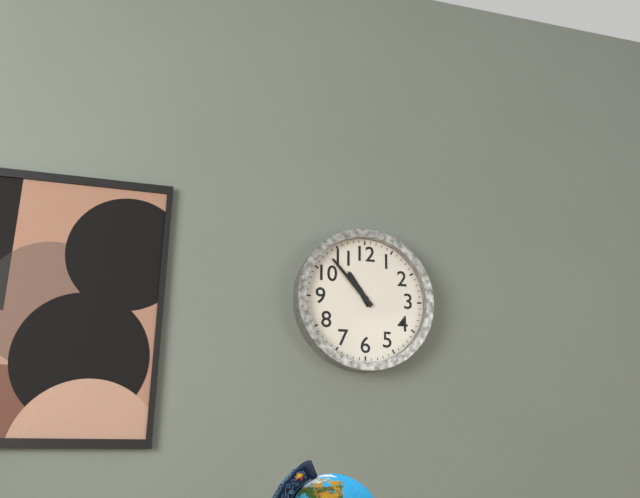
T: 10.53
